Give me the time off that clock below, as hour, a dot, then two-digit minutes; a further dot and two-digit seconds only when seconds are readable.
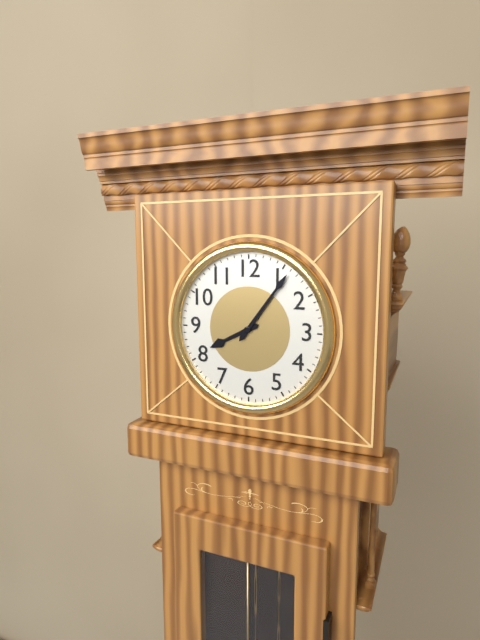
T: 8.06
